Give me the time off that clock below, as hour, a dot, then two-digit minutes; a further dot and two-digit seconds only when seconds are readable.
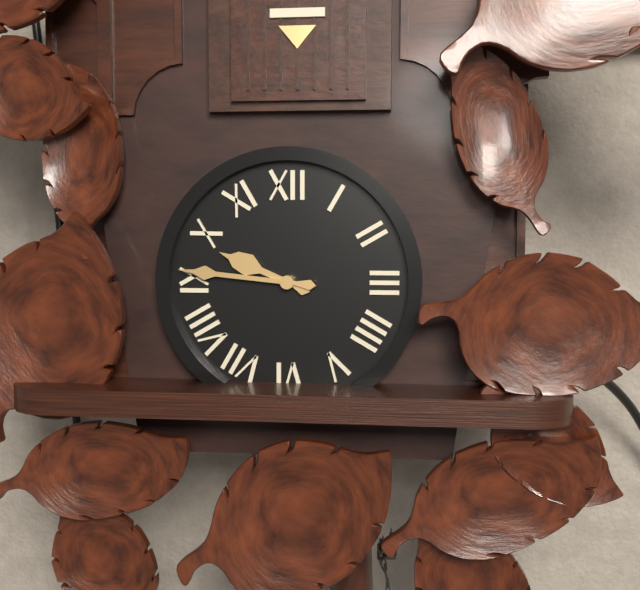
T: 9.46
